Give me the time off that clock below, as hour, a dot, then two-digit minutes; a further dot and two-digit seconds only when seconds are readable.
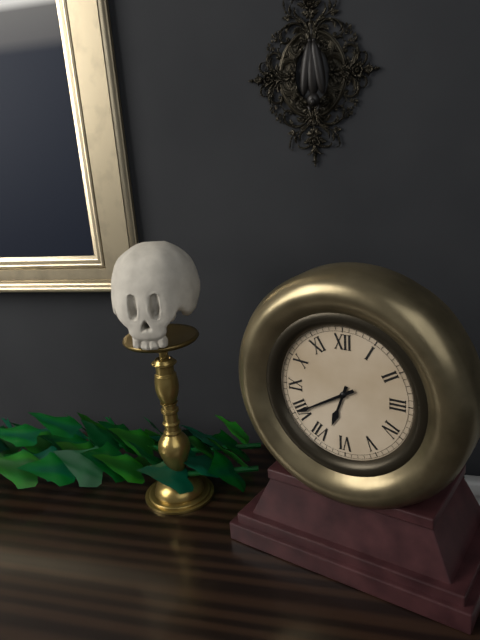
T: 6.40
